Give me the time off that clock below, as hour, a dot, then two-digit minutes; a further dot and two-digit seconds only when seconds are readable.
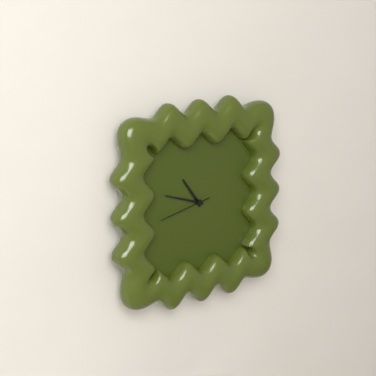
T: 10.48.43
